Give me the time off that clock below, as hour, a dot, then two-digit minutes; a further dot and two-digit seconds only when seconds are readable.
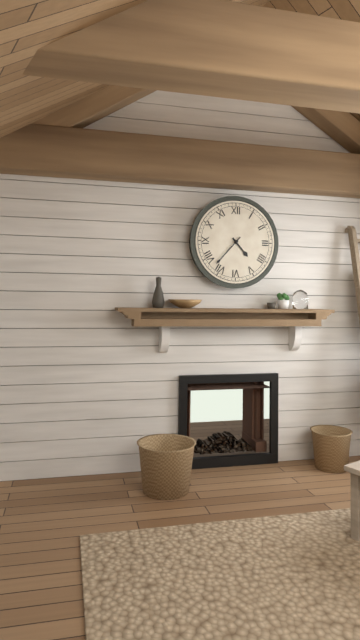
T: 4.37
